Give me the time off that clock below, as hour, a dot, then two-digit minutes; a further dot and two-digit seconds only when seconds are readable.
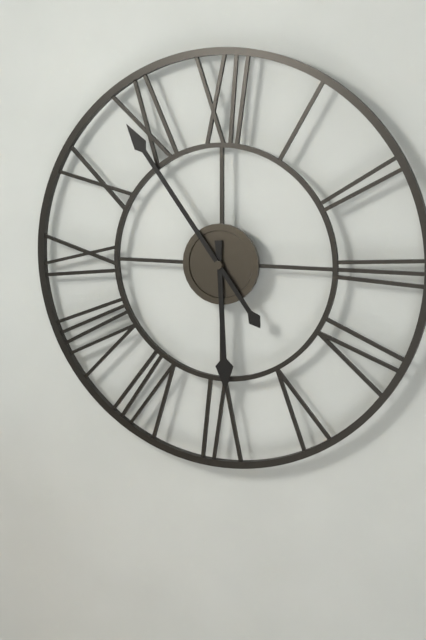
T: 5.54
